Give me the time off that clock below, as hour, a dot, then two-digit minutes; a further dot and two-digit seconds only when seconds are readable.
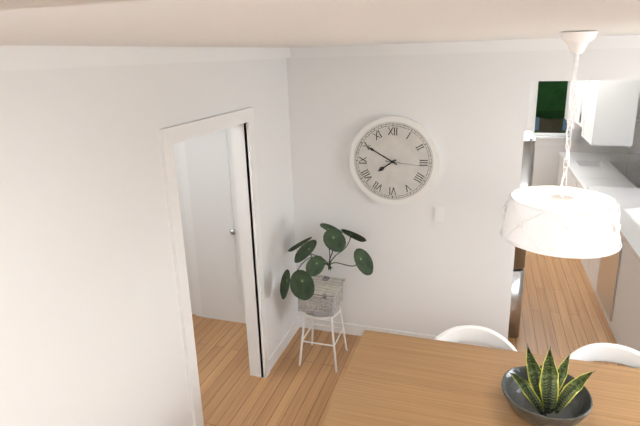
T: 7.50
